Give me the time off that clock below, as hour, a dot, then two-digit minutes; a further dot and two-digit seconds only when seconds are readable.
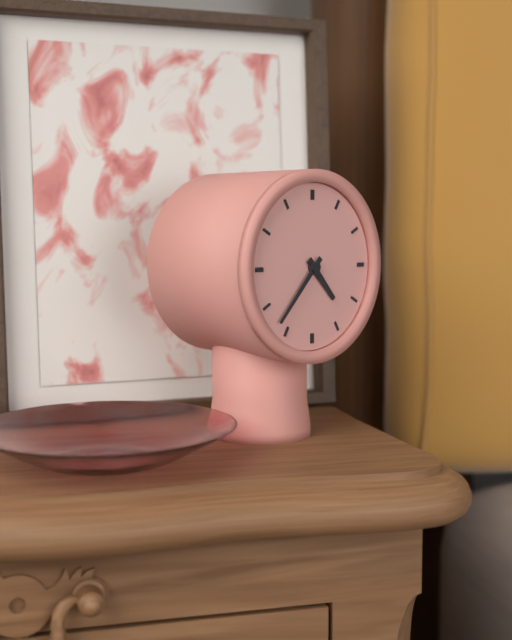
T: 4.37
